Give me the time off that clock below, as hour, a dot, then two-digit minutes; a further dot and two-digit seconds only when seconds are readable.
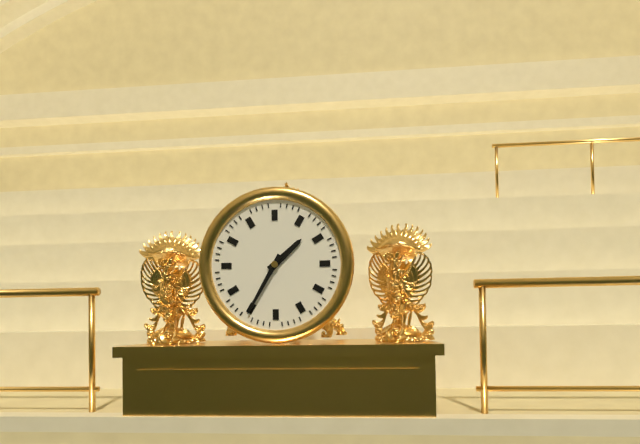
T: 1.35
